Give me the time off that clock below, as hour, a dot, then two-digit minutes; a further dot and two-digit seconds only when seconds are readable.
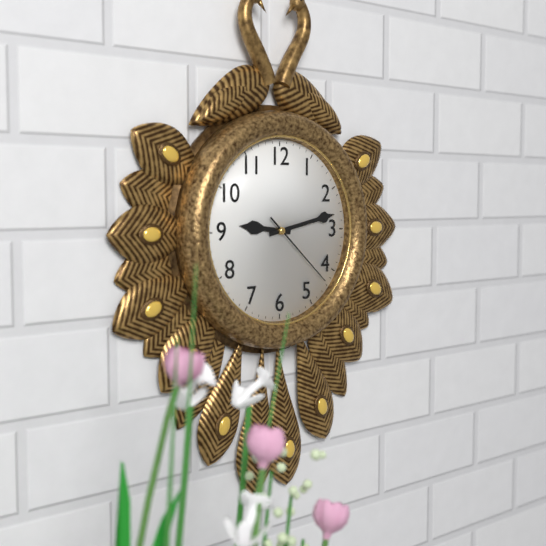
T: 9.13.22
